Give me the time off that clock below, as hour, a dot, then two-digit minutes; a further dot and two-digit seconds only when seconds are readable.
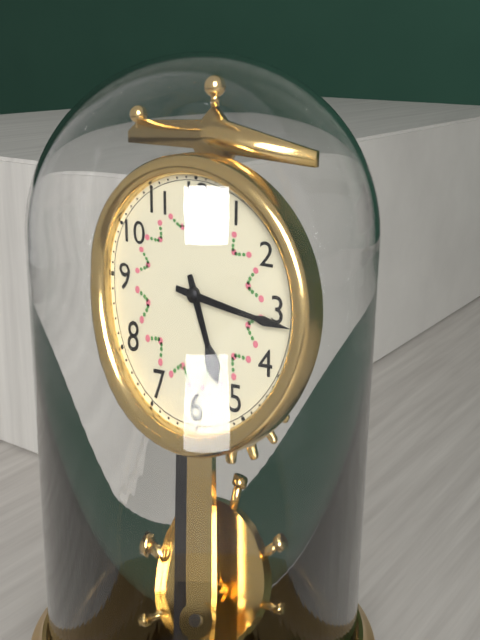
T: 5.16
